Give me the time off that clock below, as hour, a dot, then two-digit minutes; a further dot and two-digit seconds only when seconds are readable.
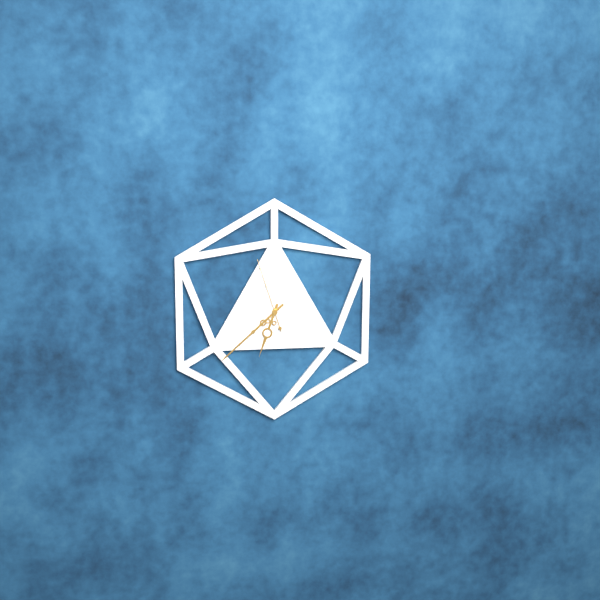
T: 6.38.57
